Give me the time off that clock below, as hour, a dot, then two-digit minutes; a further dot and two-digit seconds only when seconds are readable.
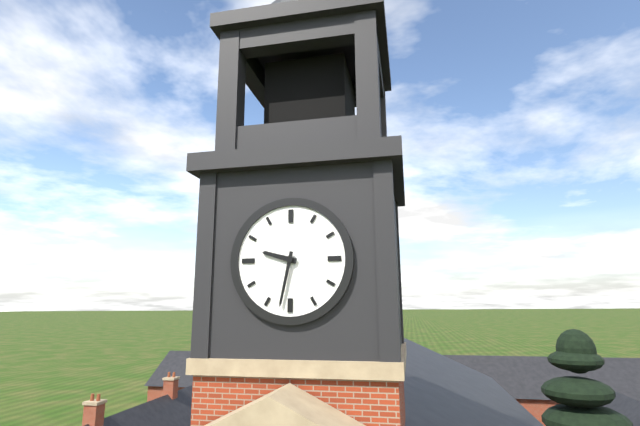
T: 9.32
